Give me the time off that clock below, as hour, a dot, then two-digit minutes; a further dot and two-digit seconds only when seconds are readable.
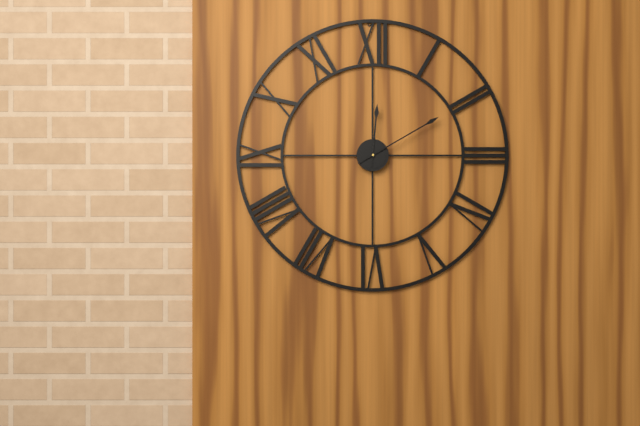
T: 12.10
